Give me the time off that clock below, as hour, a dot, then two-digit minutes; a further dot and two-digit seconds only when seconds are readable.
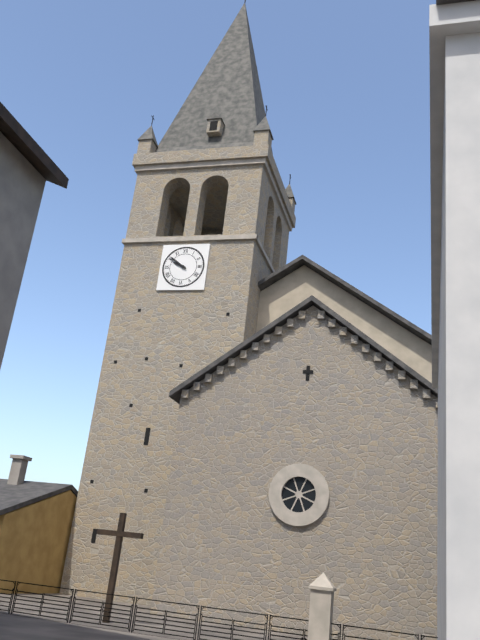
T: 9.51
